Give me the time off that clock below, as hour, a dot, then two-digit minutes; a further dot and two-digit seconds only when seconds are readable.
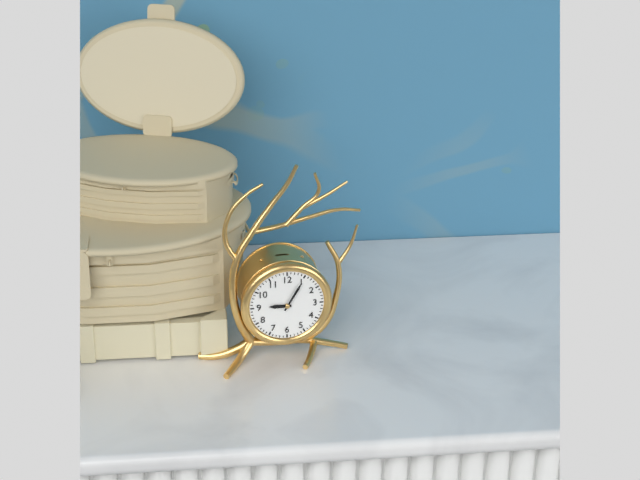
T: 9.05
